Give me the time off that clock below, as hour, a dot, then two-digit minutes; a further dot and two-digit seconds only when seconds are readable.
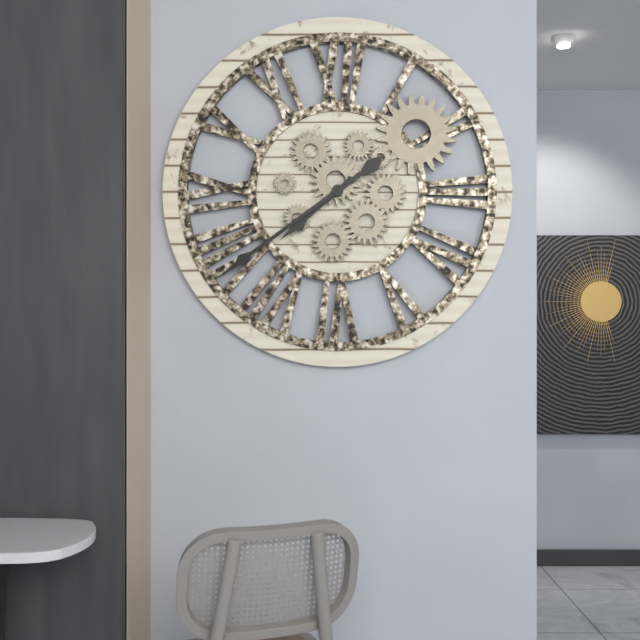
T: 7.39
